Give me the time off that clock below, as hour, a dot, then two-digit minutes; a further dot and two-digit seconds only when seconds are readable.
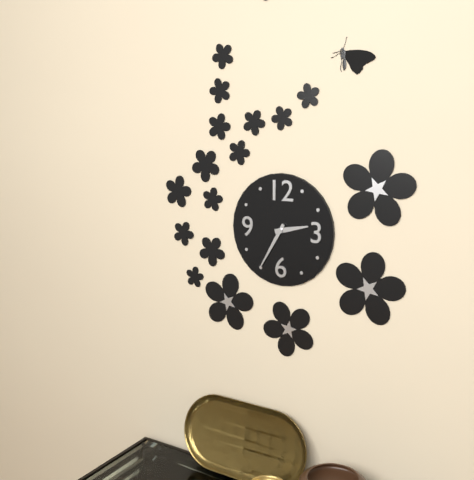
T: 2.35
